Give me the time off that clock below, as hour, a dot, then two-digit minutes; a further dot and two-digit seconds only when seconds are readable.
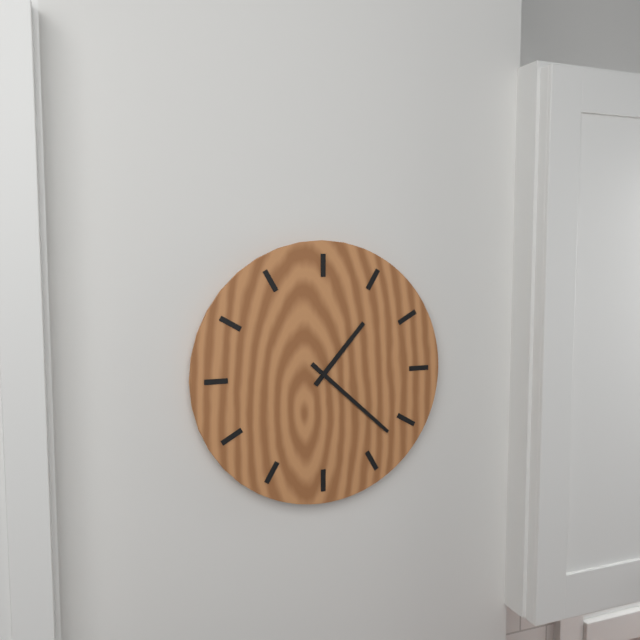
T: 1.22
